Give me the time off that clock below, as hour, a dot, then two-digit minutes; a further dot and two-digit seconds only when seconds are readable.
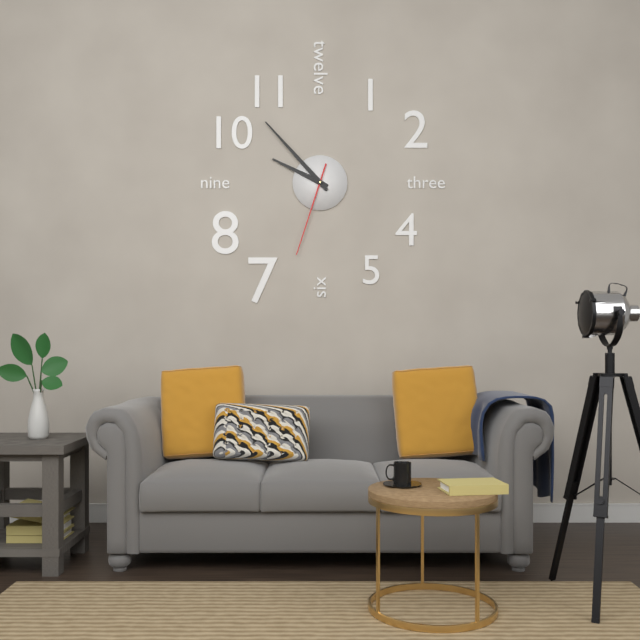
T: 9.53.33
